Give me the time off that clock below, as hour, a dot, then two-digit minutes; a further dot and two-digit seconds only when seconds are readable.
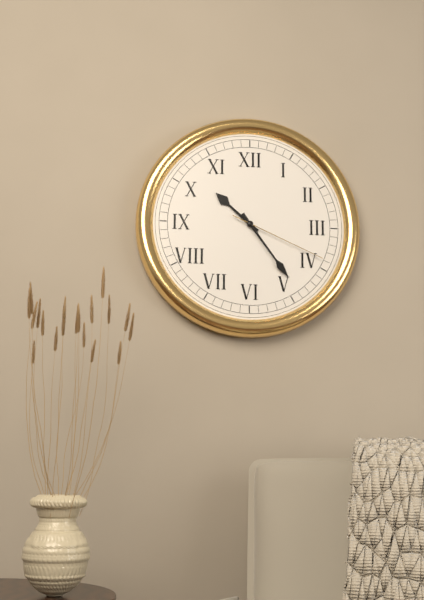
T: 10.24.19
